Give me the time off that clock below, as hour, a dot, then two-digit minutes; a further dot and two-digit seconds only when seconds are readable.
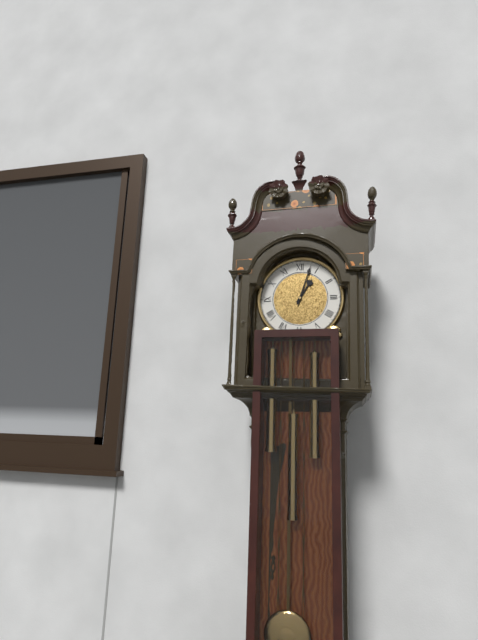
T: 1.03
